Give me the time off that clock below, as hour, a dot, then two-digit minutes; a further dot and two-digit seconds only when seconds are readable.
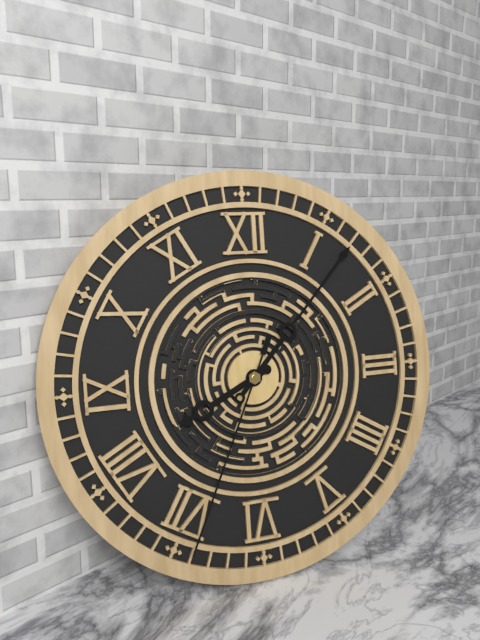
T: 8.07.34
